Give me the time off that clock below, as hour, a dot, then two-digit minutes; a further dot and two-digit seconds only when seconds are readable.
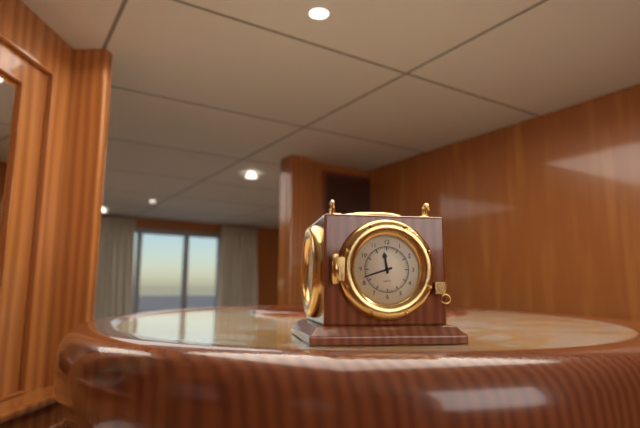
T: 11.42
